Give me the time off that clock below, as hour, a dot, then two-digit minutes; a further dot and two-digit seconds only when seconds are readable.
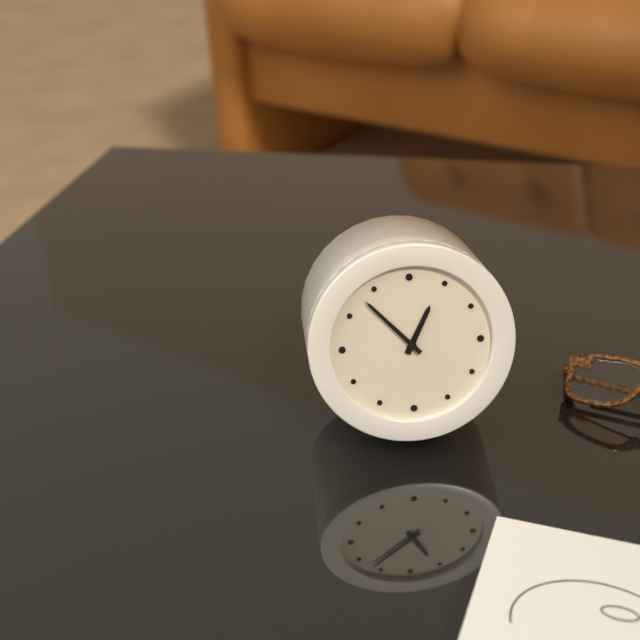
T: 12.53
